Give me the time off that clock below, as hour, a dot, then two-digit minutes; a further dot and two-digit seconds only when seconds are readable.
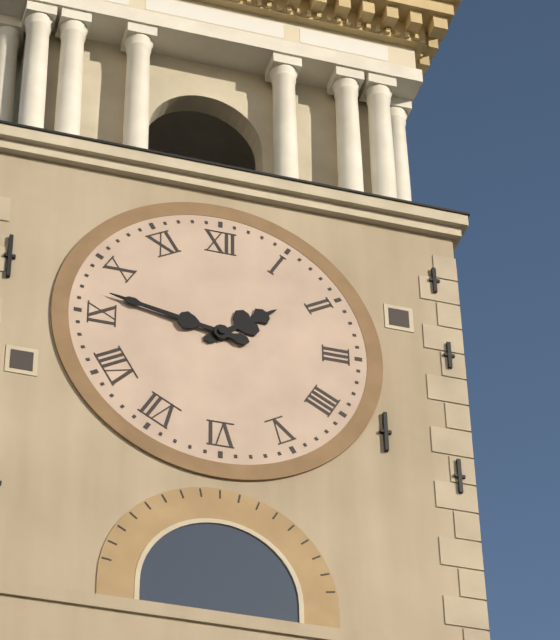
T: 1.47
